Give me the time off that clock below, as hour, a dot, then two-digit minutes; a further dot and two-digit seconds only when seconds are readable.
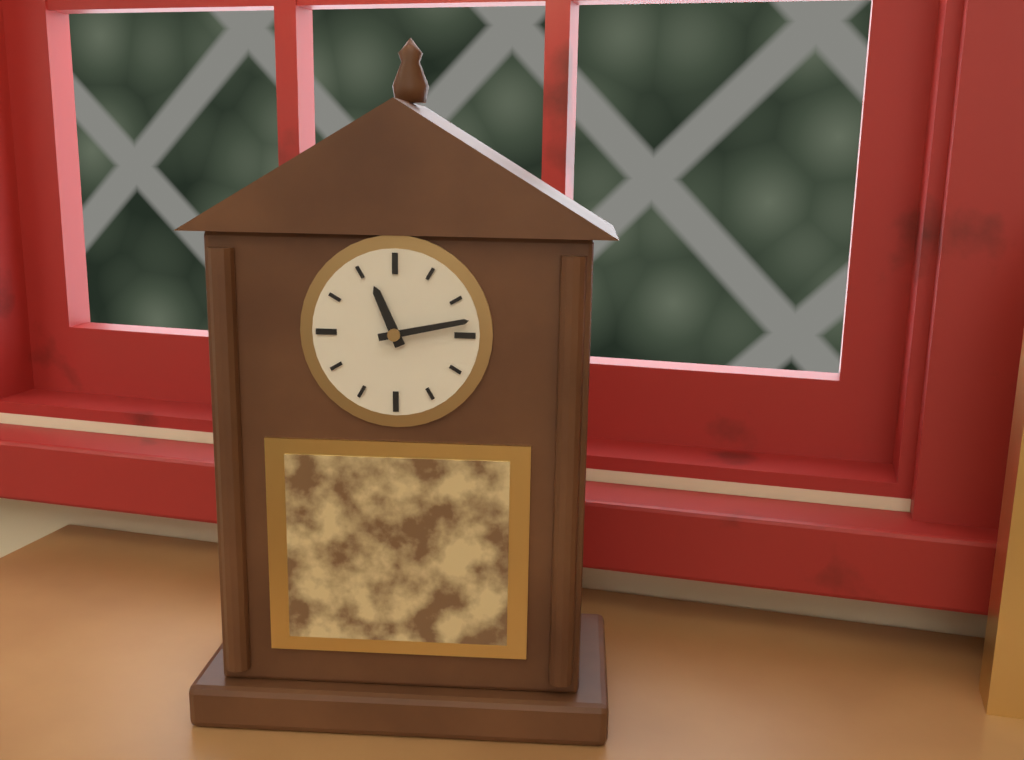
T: 11.13
